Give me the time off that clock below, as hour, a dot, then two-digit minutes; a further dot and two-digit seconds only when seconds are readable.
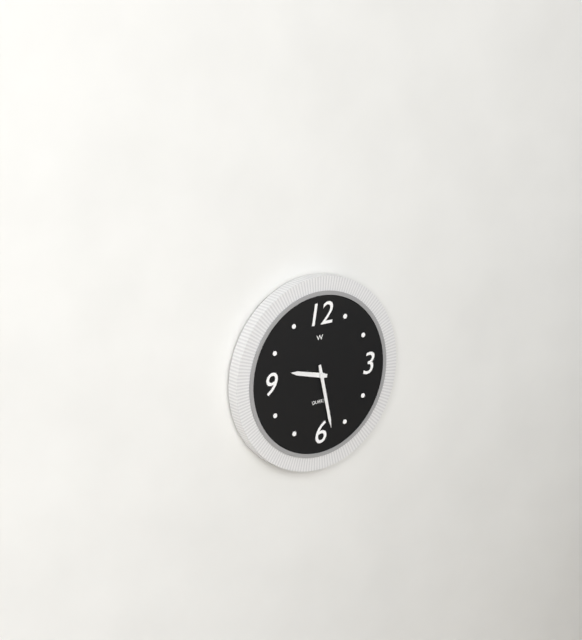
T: 9.28
